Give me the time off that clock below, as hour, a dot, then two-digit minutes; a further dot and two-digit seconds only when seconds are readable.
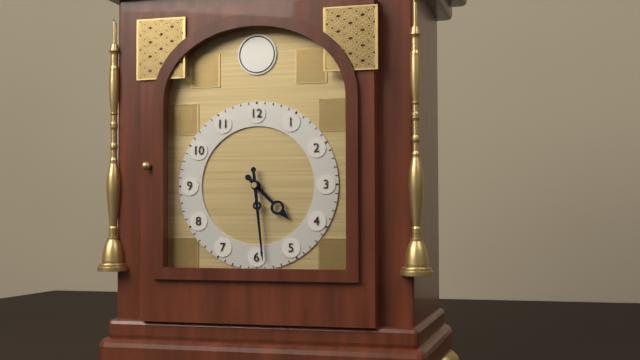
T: 4.29
